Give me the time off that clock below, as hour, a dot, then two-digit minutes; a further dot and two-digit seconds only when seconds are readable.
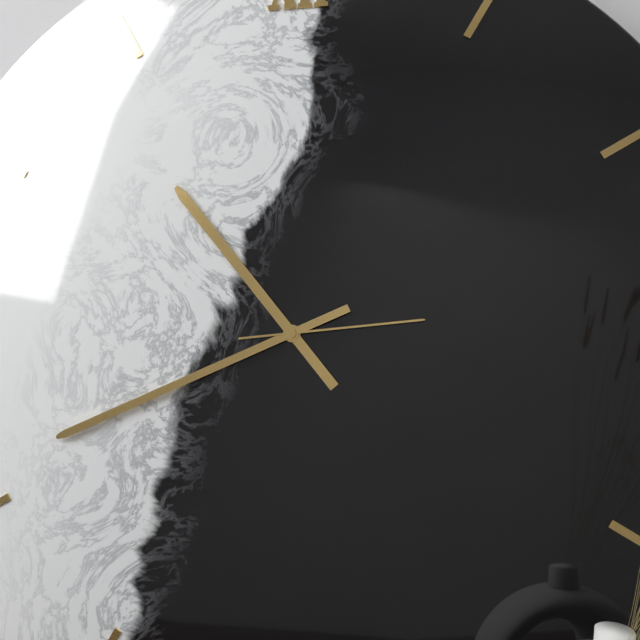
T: 10.41.14
